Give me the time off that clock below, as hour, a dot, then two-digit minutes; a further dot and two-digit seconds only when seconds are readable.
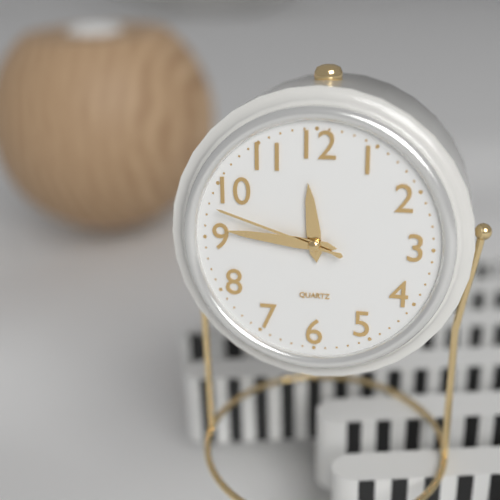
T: 11.46.48
